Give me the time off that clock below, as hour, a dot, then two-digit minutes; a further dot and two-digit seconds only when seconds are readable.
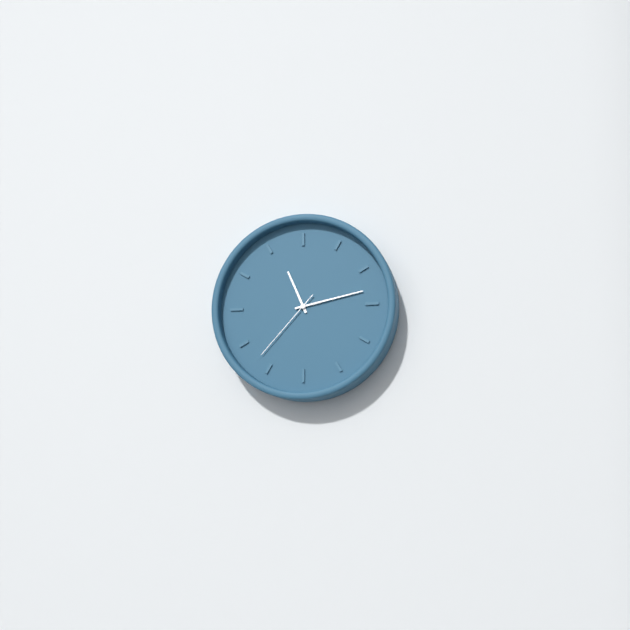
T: 11.13.37
